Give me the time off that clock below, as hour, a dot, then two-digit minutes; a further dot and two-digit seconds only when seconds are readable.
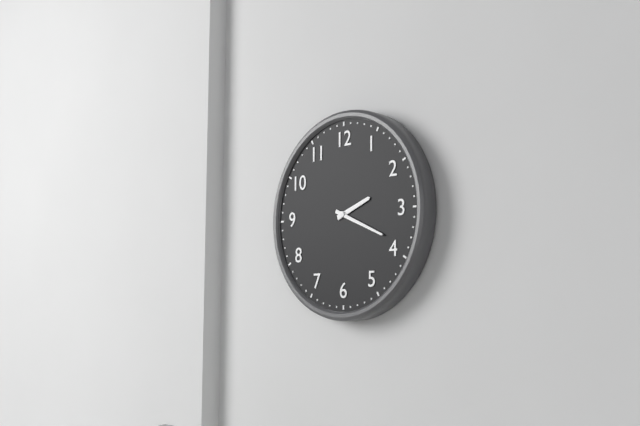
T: 2.19
